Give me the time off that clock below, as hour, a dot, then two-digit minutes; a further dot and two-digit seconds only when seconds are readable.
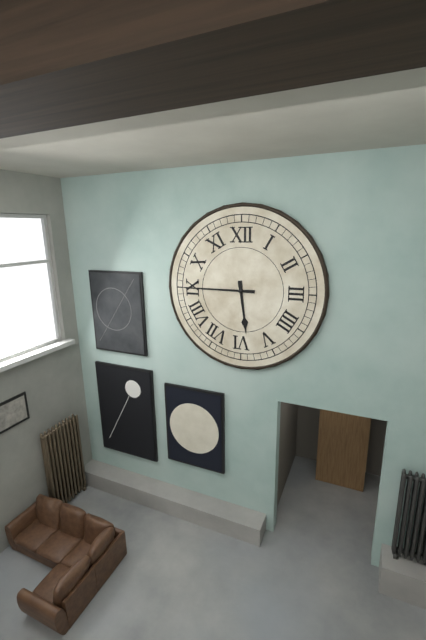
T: 5.45
